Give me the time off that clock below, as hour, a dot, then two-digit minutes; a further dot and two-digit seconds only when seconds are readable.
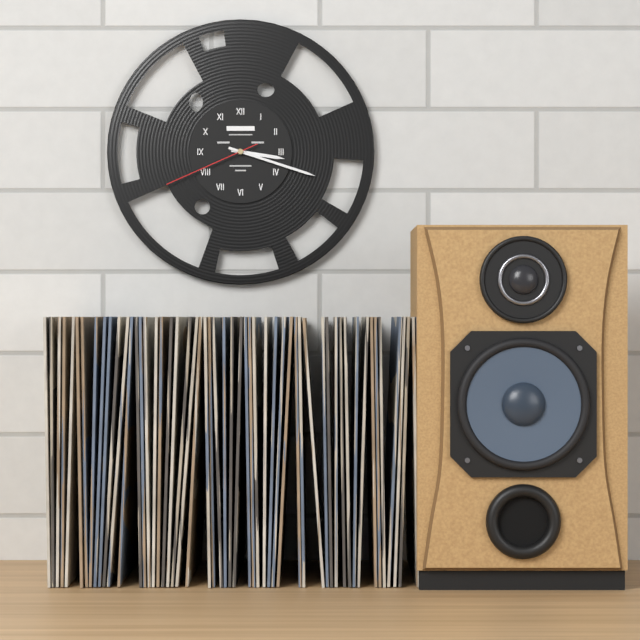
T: 3.18.41
